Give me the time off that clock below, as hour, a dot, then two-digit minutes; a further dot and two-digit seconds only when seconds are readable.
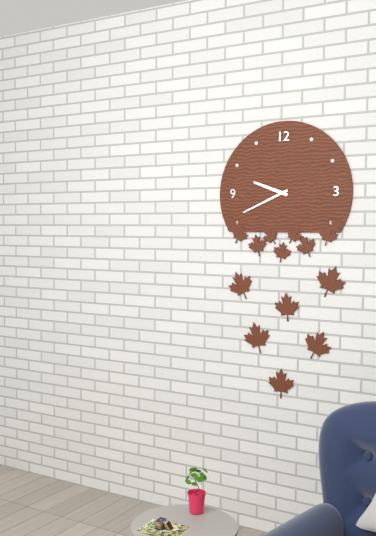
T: 9.41
